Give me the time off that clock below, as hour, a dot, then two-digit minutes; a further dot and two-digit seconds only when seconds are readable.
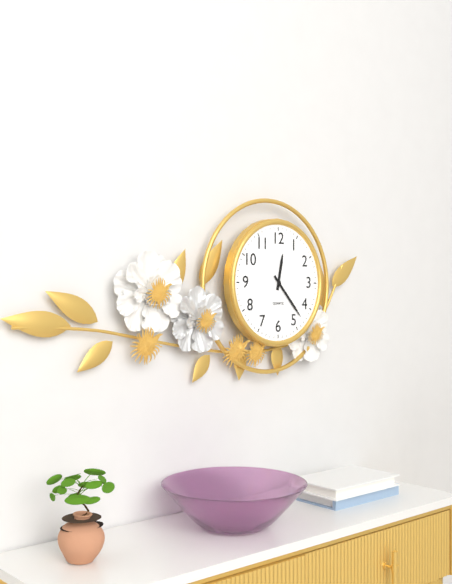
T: 12.23
